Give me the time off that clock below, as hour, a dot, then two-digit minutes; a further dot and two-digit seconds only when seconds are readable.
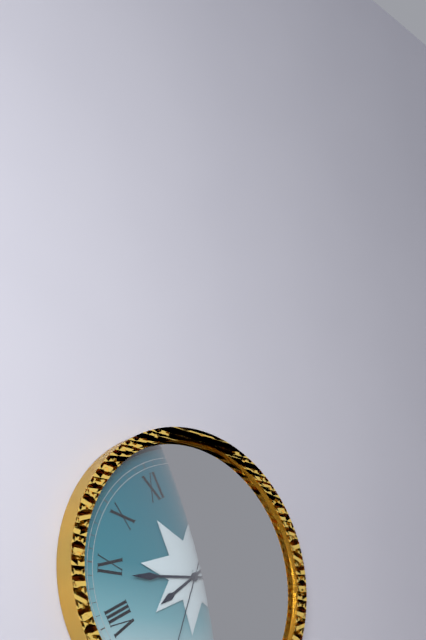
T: 7.44
